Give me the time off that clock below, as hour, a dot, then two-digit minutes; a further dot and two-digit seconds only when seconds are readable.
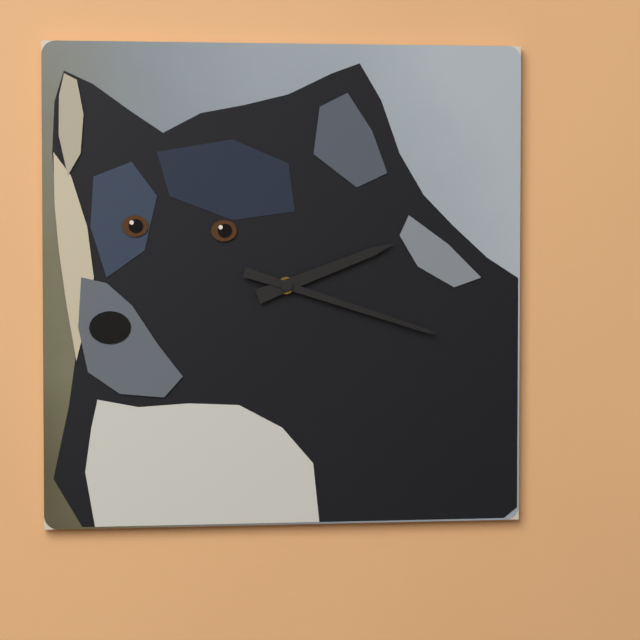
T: 2.18
